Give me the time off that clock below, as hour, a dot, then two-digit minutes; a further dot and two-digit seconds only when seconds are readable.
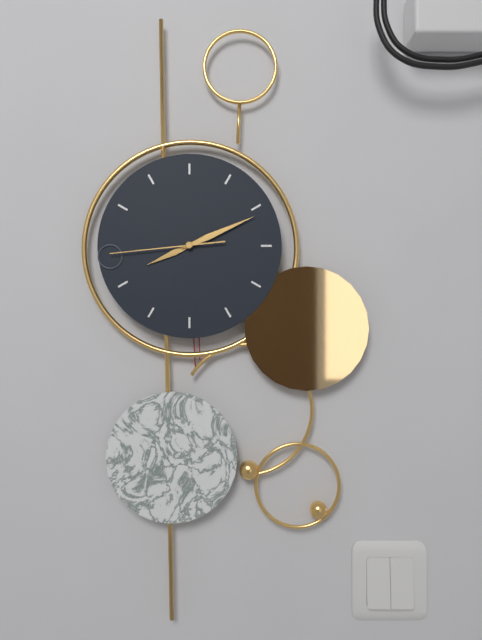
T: 8.11.44
